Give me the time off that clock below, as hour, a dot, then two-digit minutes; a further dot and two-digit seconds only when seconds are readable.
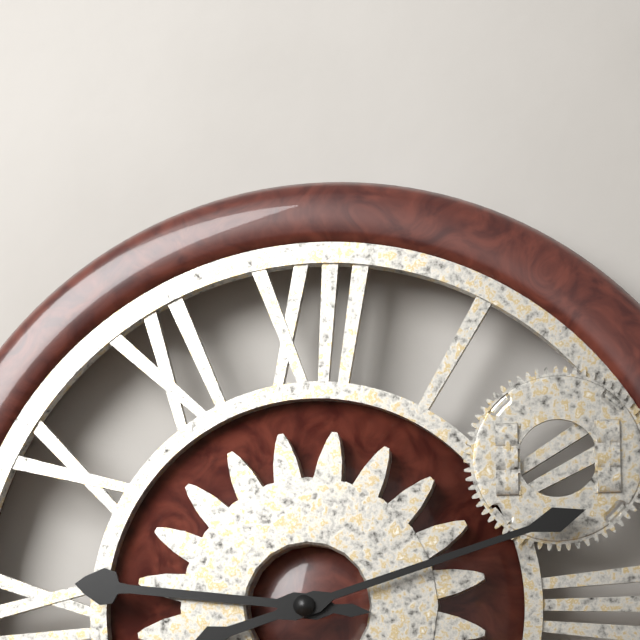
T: 9.12
